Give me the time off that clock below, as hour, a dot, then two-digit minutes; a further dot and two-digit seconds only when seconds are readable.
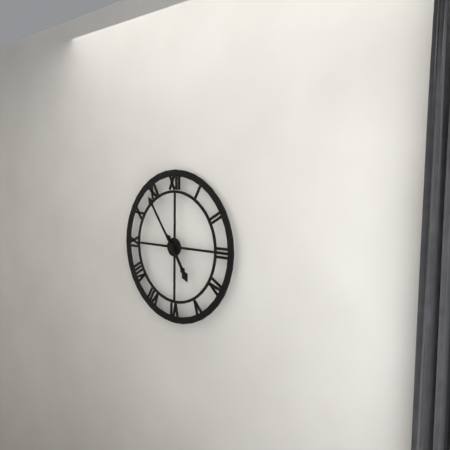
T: 4.54
